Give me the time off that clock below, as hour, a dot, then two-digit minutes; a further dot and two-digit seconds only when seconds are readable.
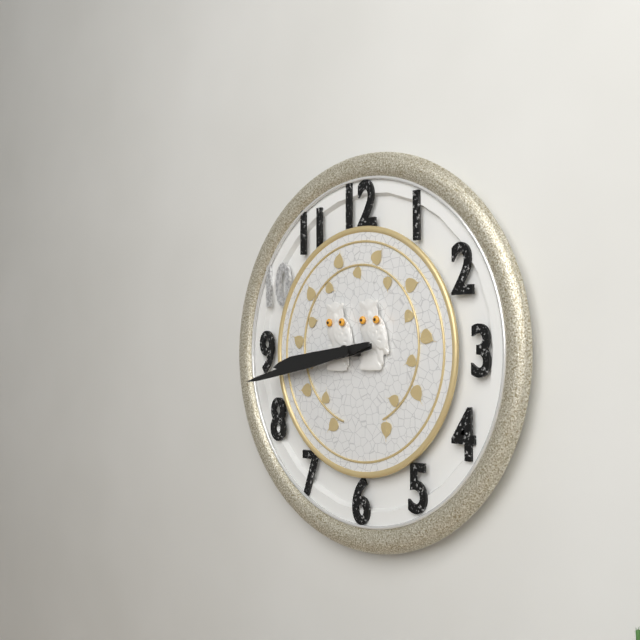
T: 8.43
